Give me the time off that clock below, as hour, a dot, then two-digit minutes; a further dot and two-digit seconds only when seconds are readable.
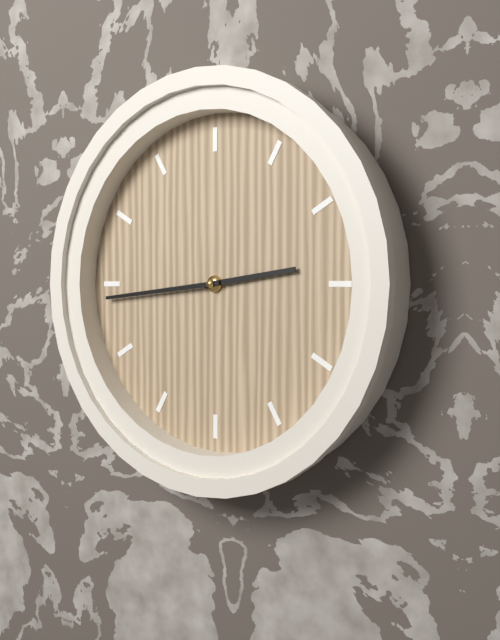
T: 2.44
